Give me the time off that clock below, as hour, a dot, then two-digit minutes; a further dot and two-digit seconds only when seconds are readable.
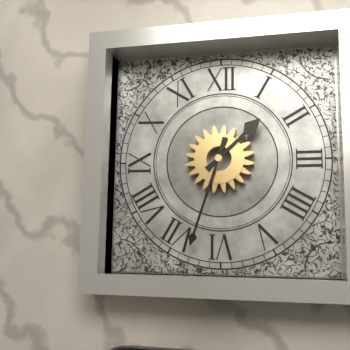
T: 1.33
